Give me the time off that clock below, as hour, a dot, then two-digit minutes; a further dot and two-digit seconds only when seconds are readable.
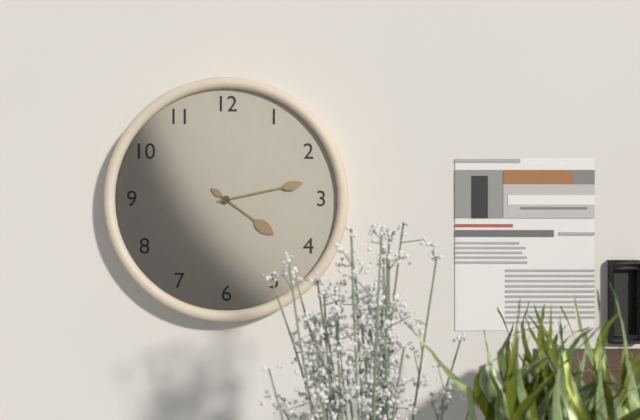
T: 4.13
